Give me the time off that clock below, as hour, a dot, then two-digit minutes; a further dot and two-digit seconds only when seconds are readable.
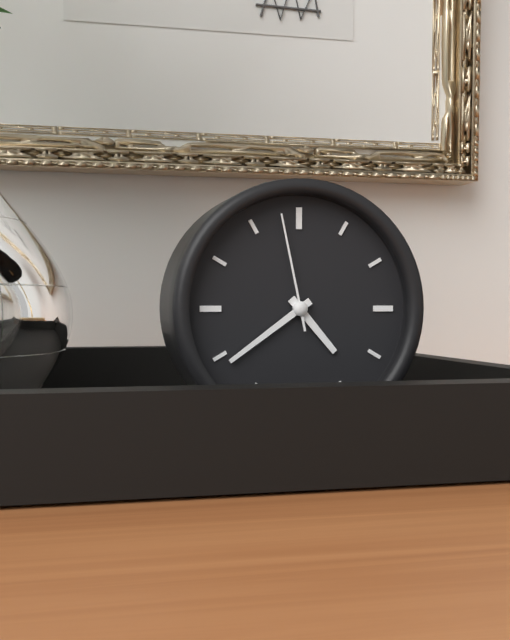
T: 4.39.58
